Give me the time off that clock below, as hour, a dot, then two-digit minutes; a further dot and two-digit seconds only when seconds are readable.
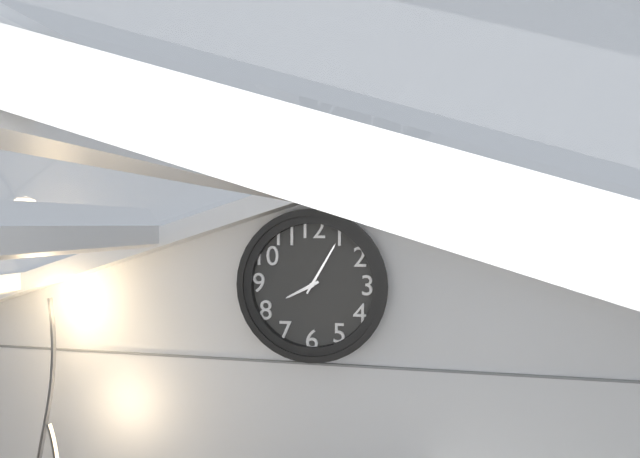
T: 8.05
